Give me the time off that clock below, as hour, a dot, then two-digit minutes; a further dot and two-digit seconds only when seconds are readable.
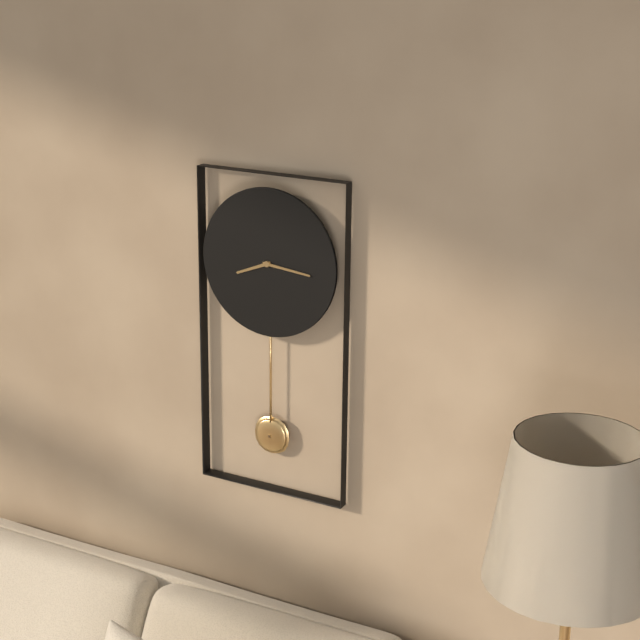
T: 8.16
